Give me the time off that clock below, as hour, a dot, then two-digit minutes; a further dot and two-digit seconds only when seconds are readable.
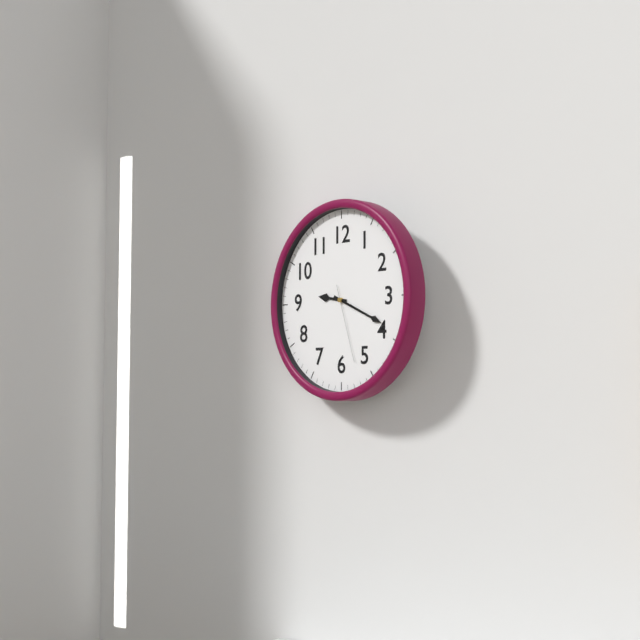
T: 9.19.27
